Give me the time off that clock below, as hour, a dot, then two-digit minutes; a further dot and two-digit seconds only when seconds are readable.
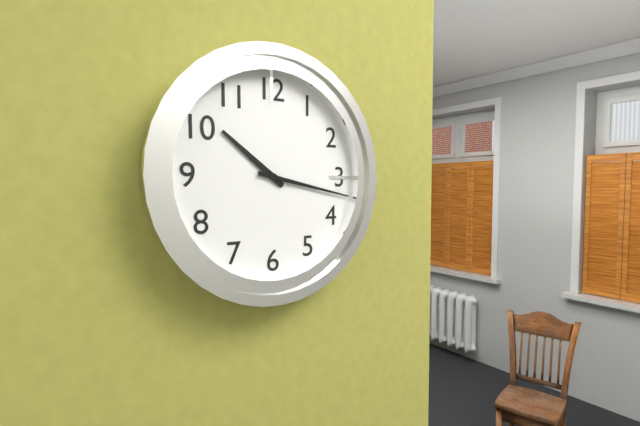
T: 10.17
